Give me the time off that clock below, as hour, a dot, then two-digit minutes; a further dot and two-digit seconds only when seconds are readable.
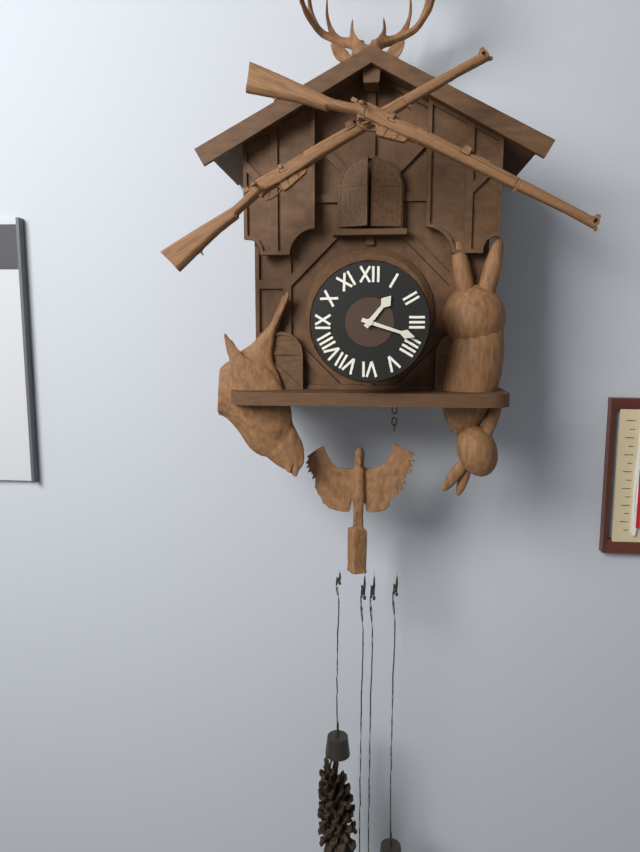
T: 1.18
